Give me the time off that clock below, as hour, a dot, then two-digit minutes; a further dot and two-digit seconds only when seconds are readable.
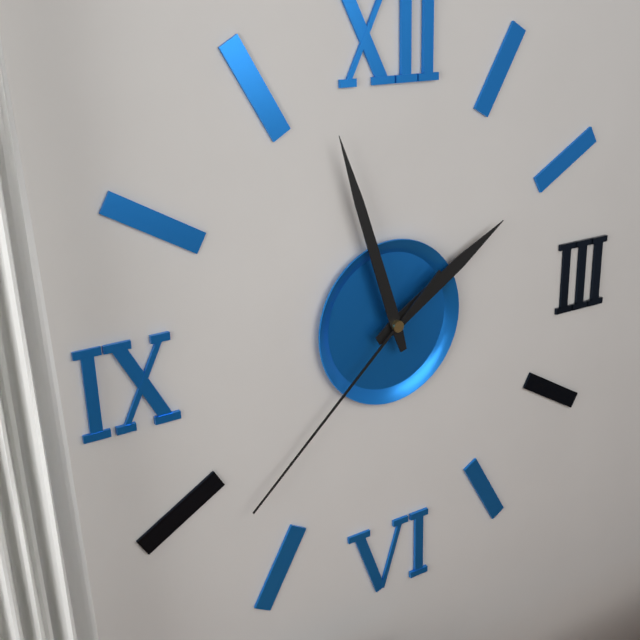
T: 1.57.38
